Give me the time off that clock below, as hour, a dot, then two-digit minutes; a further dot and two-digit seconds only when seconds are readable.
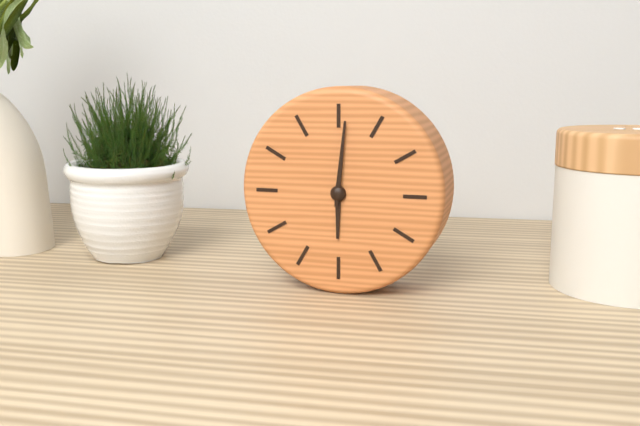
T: 6.01
